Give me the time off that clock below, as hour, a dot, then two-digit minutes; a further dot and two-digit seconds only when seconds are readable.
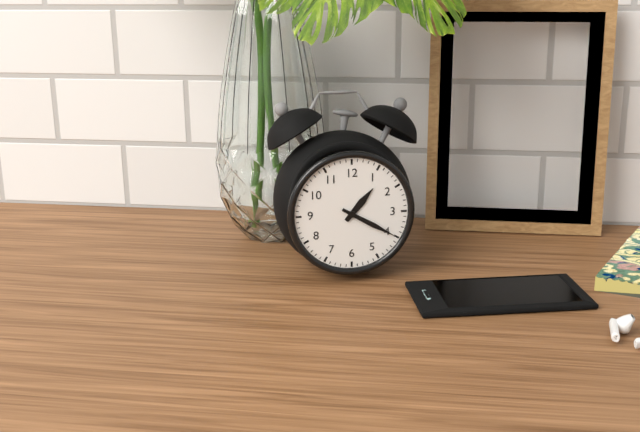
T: 1.20
